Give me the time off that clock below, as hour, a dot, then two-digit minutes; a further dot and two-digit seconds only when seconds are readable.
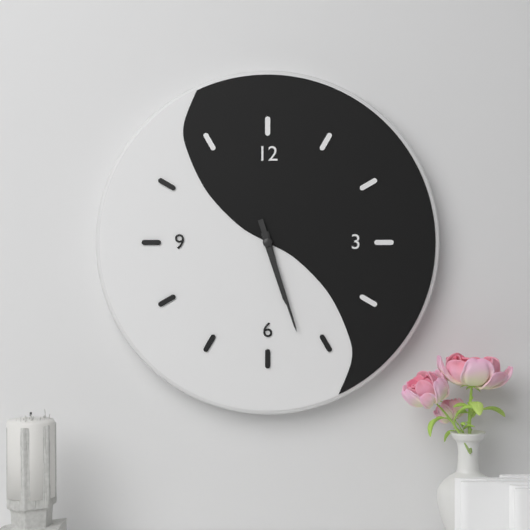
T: 5.27
